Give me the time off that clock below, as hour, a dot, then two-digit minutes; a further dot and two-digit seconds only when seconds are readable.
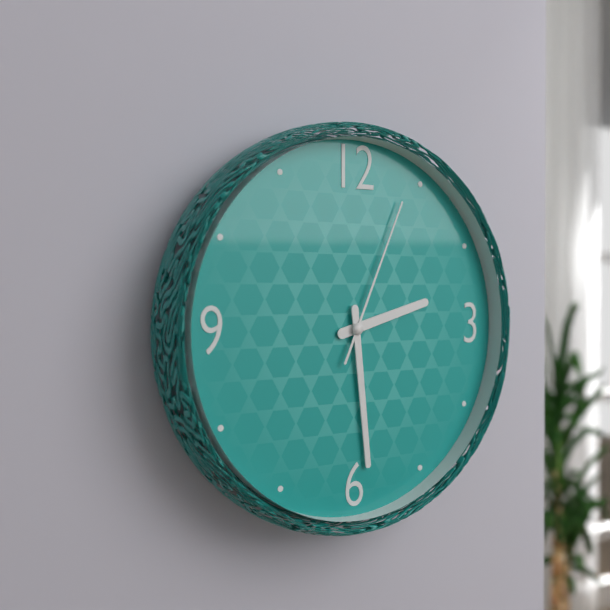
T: 2.29.04
